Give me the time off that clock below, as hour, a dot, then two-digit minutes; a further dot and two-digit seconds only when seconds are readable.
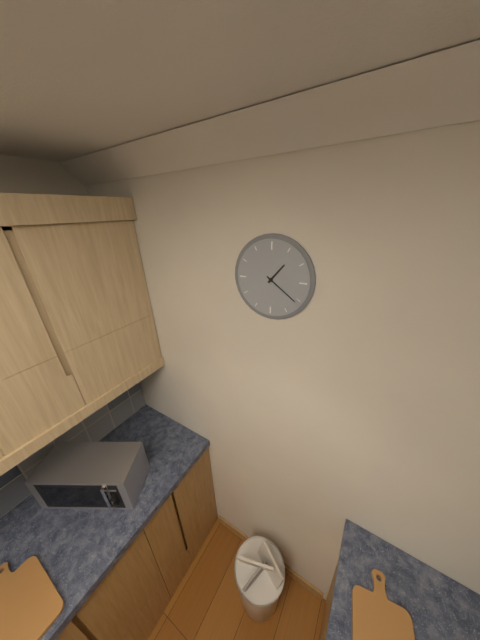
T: 1.21
